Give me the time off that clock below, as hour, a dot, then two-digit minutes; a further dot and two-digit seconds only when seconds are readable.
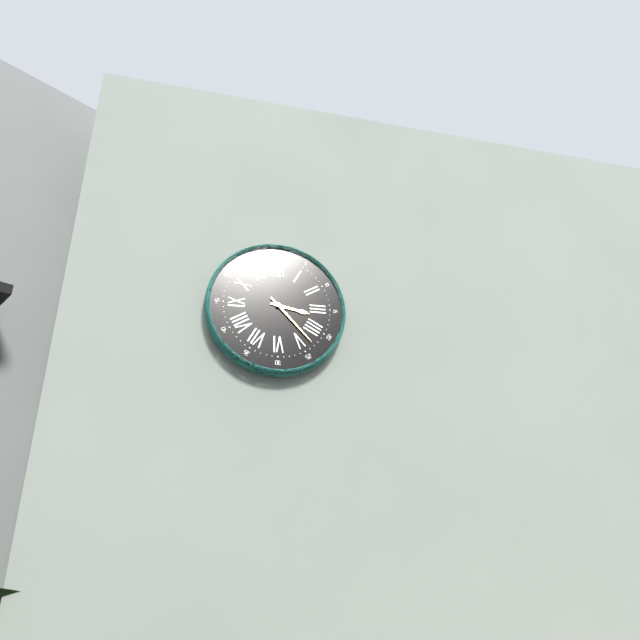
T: 3.23
